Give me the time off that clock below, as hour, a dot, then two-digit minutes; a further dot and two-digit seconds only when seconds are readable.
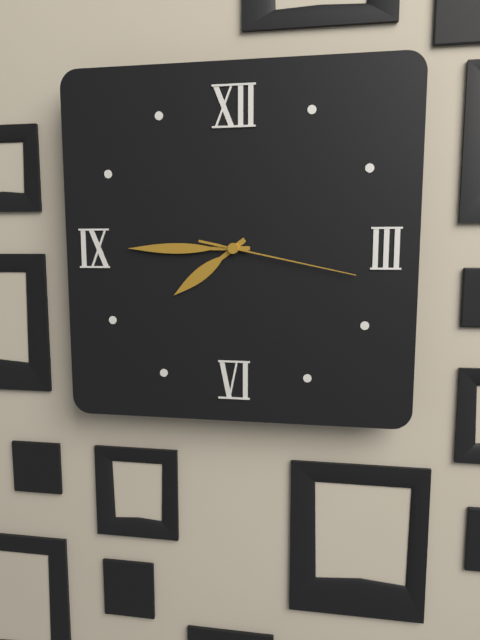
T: 7.45.17
